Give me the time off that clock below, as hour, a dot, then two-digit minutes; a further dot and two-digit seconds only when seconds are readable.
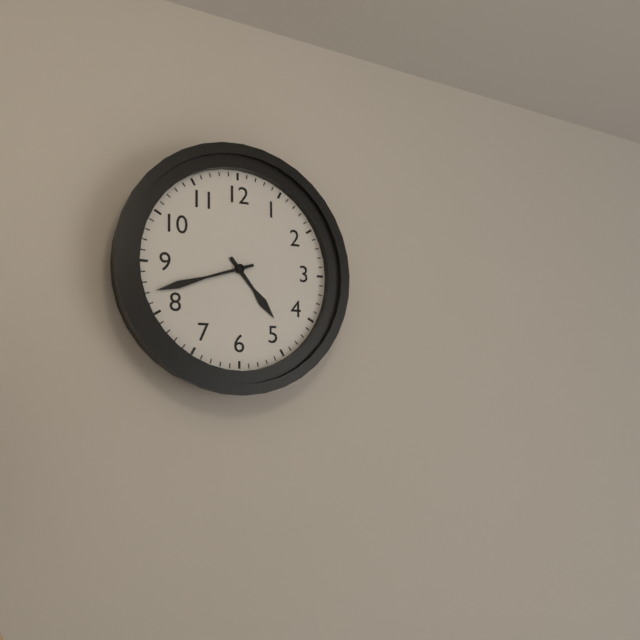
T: 4.42
